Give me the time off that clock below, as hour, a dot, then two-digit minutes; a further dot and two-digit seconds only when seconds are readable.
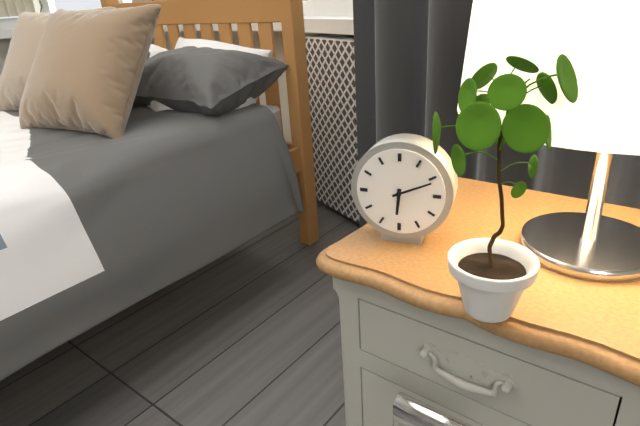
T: 6.11
